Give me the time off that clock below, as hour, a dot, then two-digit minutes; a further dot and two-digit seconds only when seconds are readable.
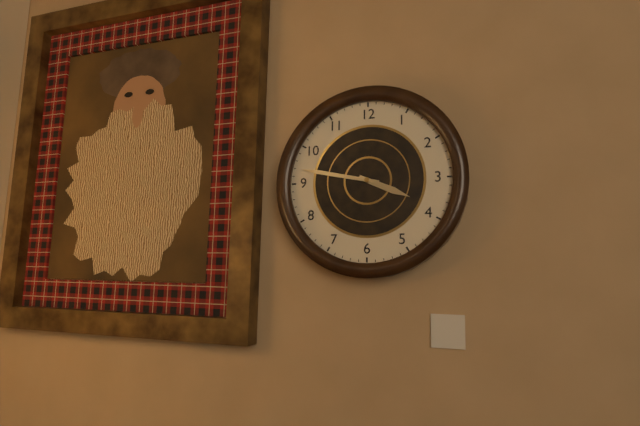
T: 3.47
